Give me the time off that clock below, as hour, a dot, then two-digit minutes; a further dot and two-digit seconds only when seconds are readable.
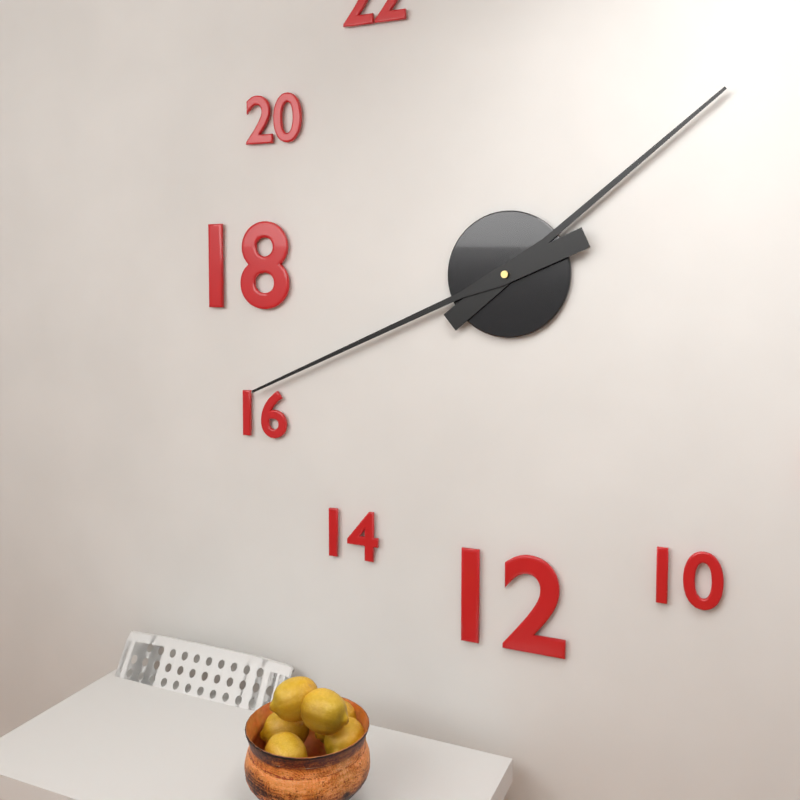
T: 1.41
